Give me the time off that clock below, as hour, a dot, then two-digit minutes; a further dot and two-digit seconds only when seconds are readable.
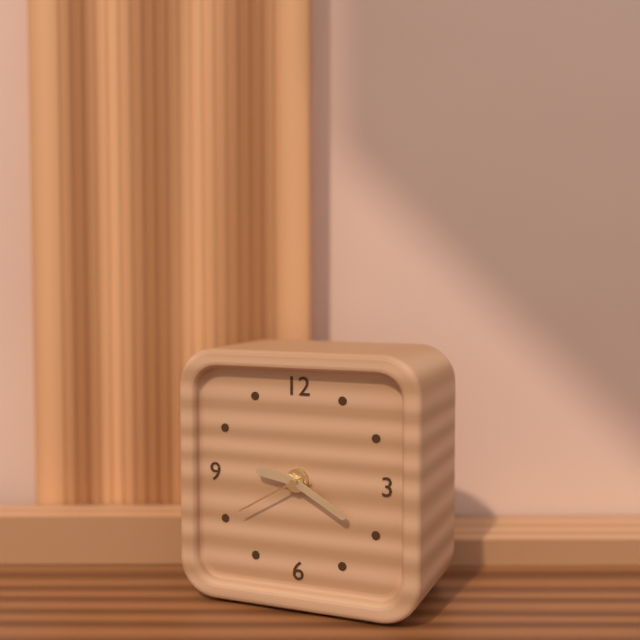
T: 9.20.40
